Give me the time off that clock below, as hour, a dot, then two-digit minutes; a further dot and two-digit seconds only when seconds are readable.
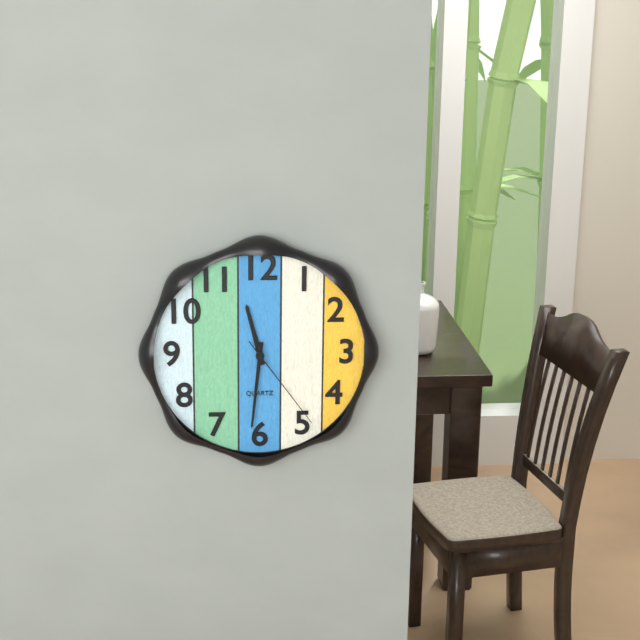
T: 11.31.24
